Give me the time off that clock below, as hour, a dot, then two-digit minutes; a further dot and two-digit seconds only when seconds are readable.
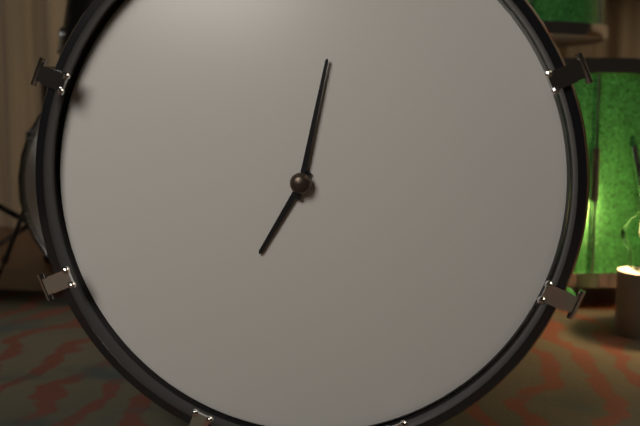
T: 7.02
